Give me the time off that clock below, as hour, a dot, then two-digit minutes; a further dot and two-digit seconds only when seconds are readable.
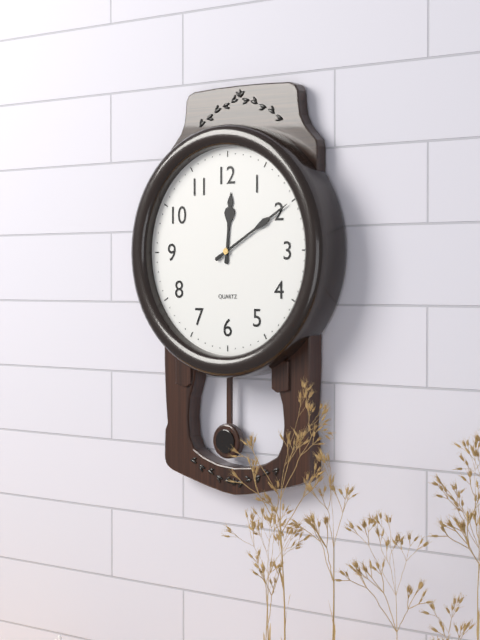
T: 12.10
